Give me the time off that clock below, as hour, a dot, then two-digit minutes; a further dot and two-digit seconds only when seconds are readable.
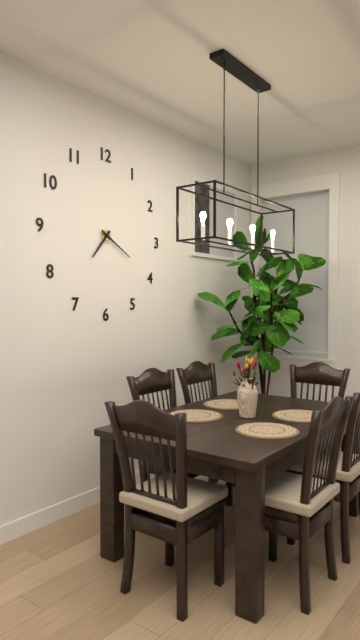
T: 7.20
